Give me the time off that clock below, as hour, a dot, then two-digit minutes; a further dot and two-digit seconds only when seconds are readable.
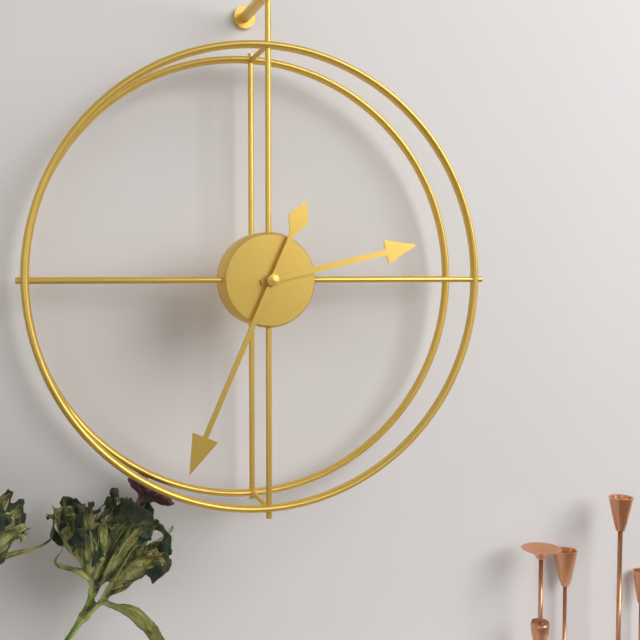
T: 2.34
